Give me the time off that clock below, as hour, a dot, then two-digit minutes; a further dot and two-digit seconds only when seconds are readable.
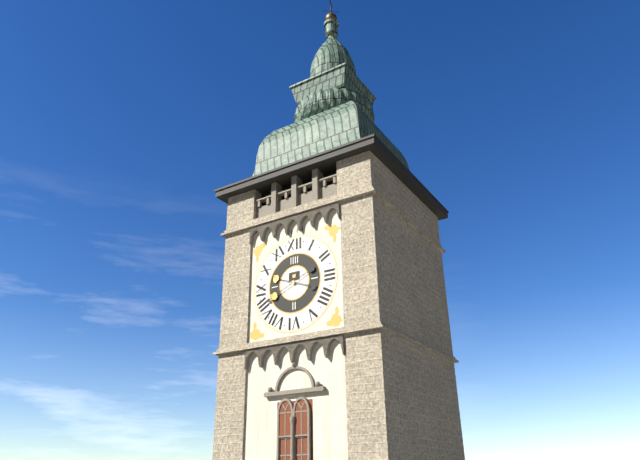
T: 9.41
